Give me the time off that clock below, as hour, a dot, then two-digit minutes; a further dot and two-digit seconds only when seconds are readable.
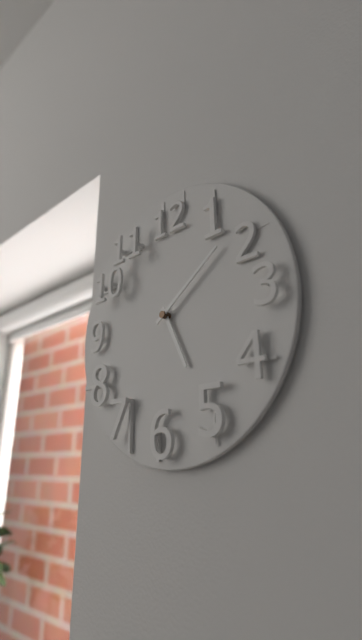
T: 5.09
